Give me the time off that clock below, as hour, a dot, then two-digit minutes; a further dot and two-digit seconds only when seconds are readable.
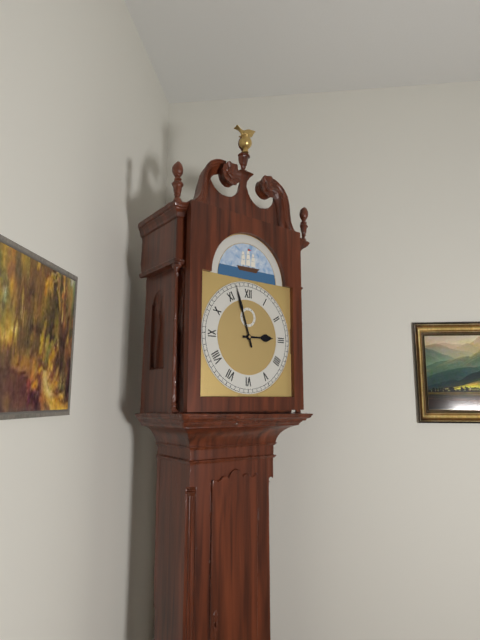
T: 2.57
